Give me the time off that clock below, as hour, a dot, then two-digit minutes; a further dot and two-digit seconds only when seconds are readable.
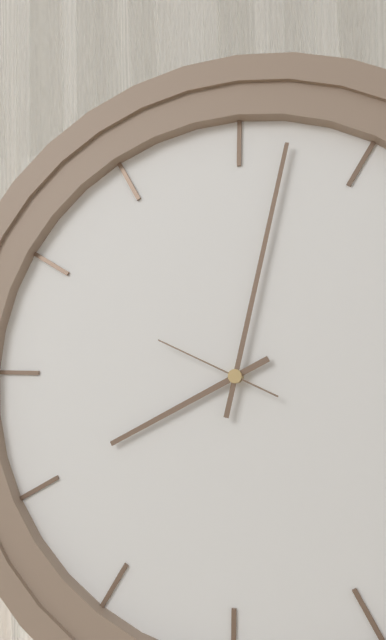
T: 8.02.49
